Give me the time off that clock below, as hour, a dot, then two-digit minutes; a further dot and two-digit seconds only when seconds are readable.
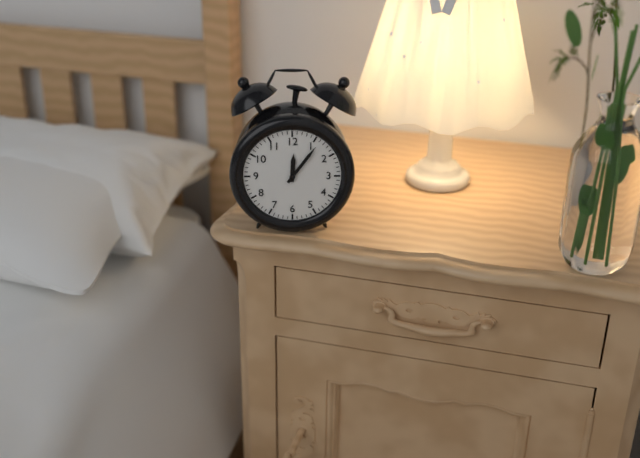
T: 12.06
